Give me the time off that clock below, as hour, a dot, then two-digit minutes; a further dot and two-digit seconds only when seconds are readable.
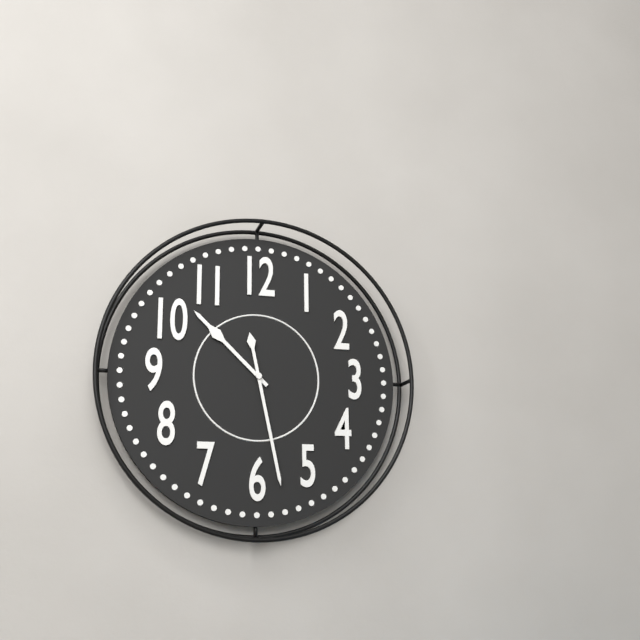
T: 10.28
